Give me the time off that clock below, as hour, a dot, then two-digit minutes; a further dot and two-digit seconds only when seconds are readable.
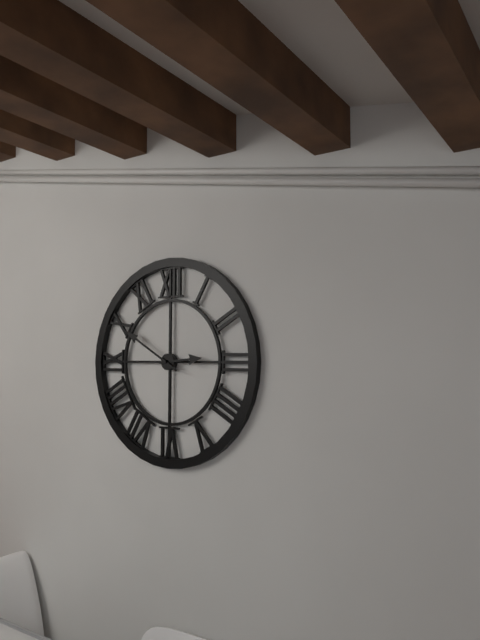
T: 2.50
